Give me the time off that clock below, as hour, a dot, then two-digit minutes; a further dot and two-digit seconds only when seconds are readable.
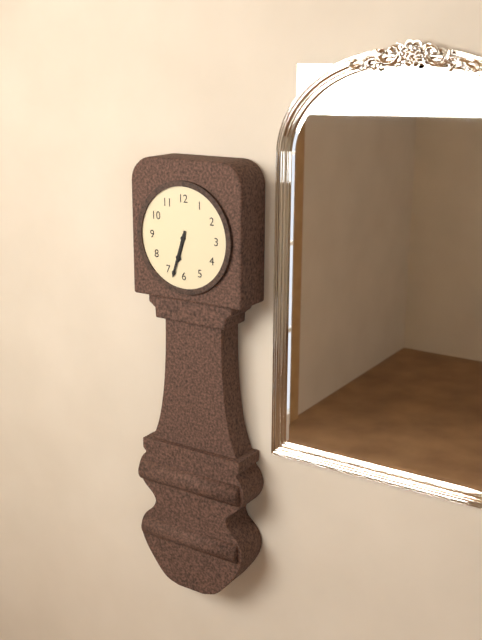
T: 6.33
